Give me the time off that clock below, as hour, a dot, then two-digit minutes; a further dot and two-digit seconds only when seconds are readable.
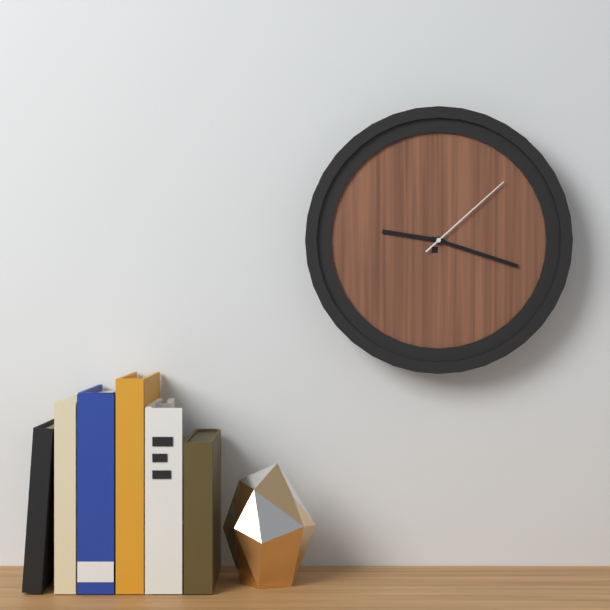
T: 9.18.08
